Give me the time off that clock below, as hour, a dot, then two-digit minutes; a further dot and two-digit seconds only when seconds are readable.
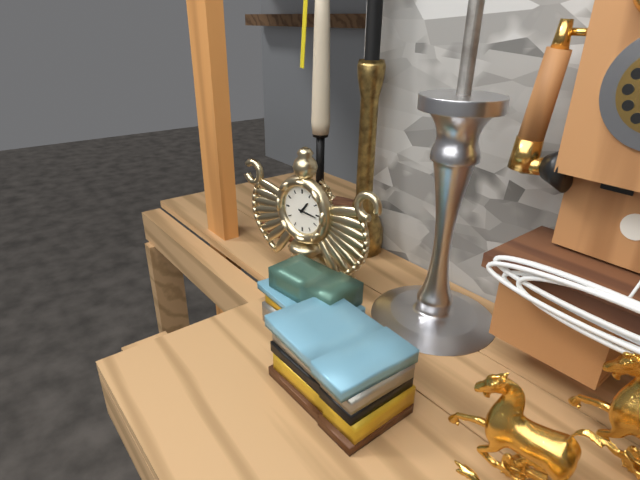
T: 1.16
